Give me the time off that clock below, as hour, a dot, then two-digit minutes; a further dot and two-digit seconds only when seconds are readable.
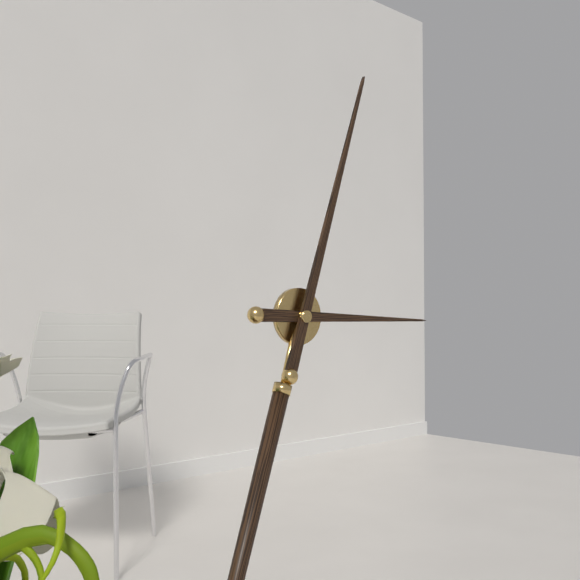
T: 3.03
